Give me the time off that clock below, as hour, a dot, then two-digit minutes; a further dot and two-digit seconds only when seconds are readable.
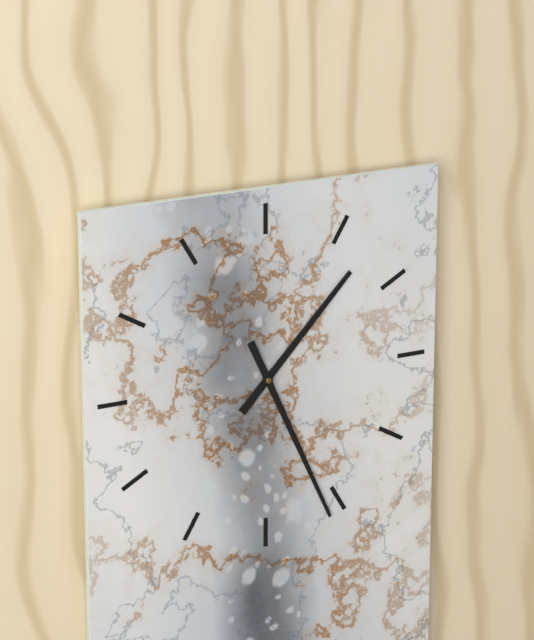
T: 1.26
